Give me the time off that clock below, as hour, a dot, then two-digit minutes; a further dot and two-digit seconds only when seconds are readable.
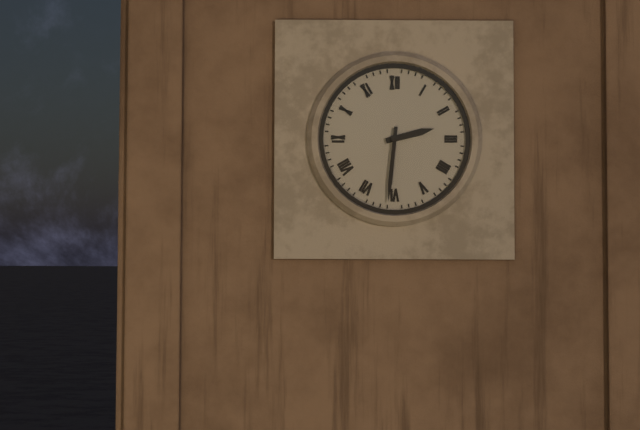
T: 2.31
